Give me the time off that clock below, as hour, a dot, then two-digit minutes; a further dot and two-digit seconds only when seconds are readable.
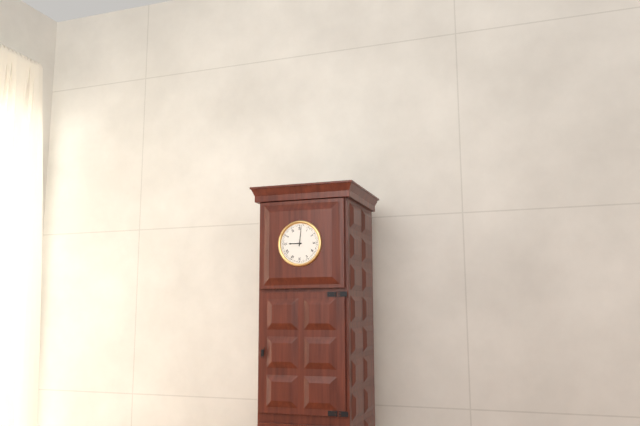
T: 9.01
